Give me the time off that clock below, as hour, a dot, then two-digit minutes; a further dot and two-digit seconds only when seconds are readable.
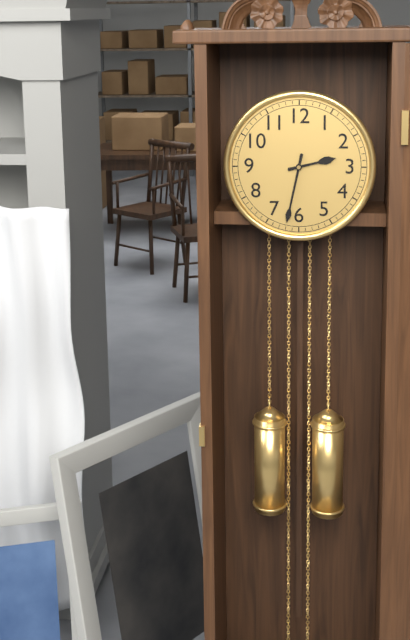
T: 2.32
